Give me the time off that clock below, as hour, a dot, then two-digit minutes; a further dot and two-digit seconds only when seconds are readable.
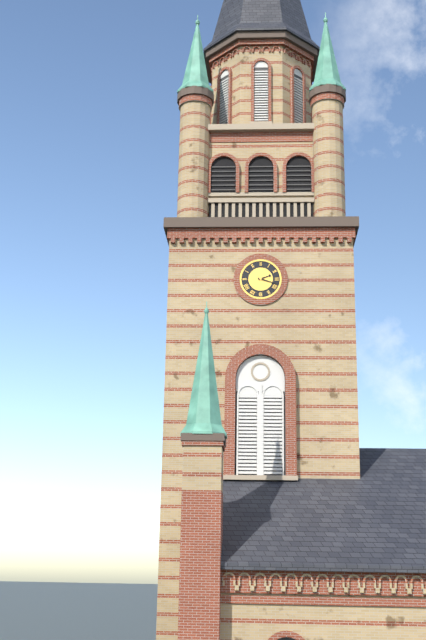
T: 2.18
